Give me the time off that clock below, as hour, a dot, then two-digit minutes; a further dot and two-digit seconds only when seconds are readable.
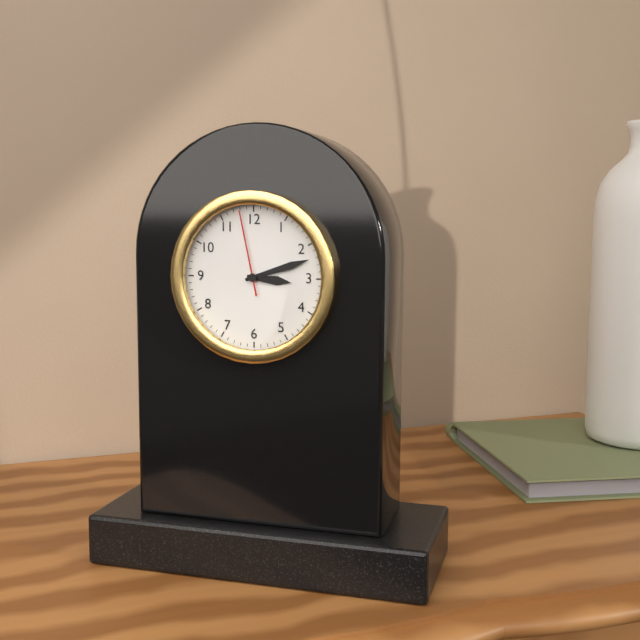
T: 3.12.58
